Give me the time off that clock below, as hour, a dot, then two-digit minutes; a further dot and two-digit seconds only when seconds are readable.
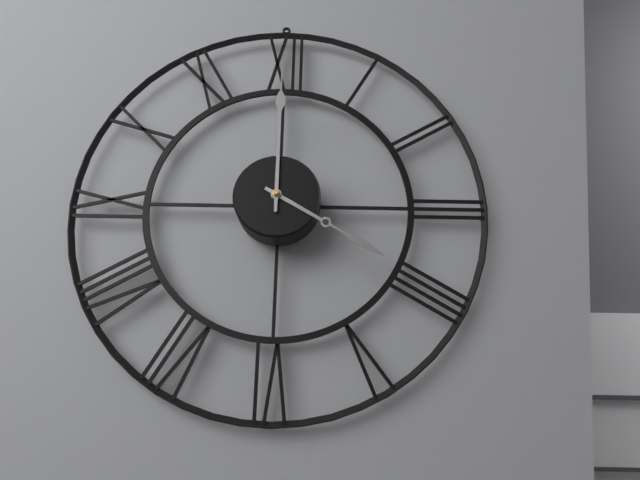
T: 4.00
